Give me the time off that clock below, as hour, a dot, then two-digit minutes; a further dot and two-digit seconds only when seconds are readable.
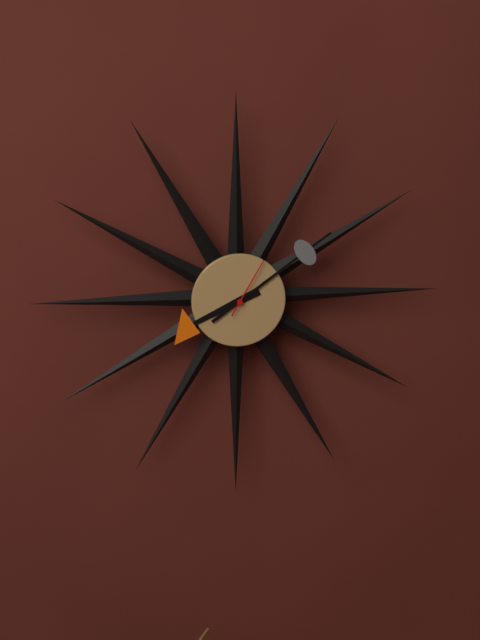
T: 8.09.05
